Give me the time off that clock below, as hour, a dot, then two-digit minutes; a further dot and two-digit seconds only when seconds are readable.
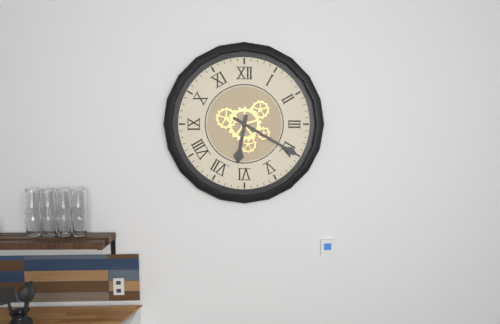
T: 6.20
